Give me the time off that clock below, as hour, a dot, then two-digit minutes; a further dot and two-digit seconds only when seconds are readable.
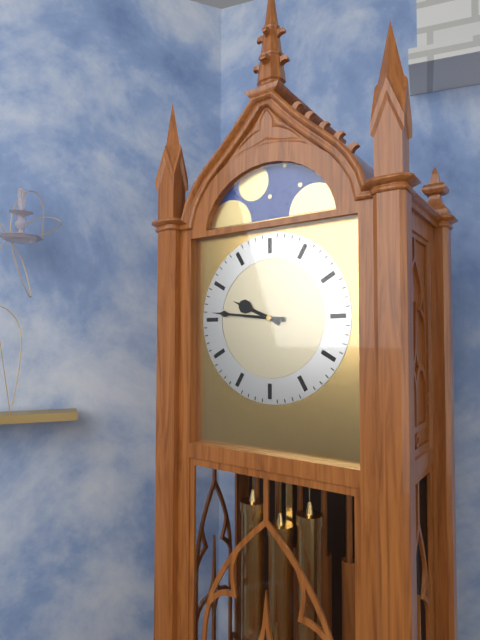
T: 9.46
